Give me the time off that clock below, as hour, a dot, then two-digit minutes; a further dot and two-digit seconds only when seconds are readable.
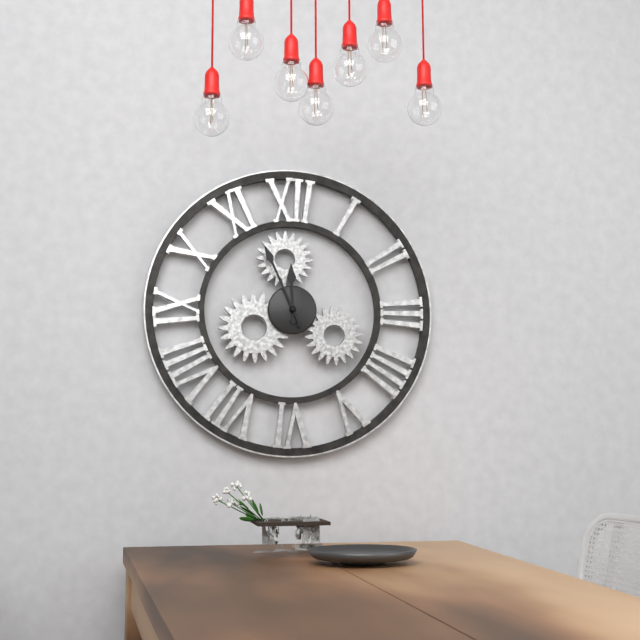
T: 11.56
